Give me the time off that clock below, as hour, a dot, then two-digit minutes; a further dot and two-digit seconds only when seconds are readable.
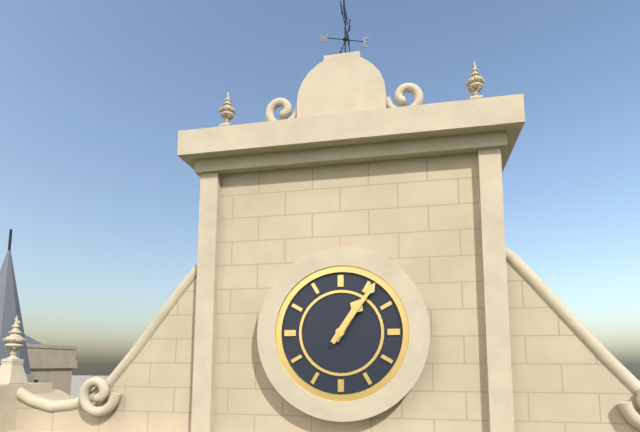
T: 1.06
